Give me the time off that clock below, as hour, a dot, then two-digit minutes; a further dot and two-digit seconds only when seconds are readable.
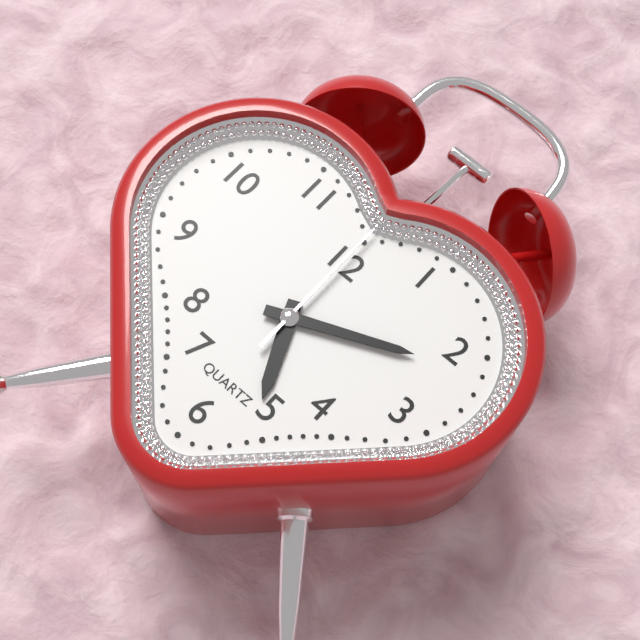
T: 5.11.00
